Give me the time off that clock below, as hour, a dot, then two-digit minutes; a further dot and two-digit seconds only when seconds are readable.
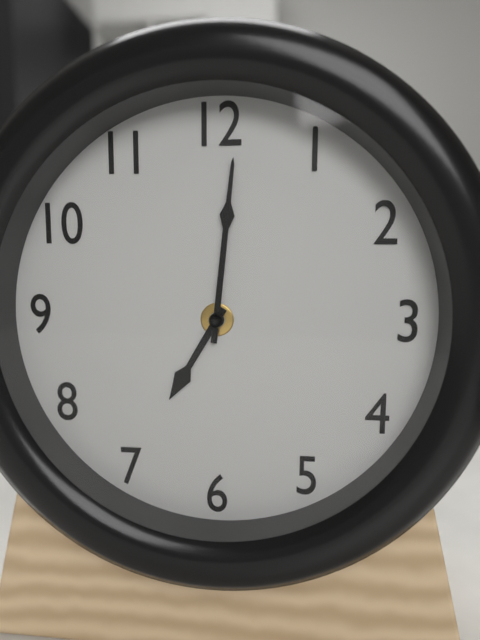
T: 7.01
